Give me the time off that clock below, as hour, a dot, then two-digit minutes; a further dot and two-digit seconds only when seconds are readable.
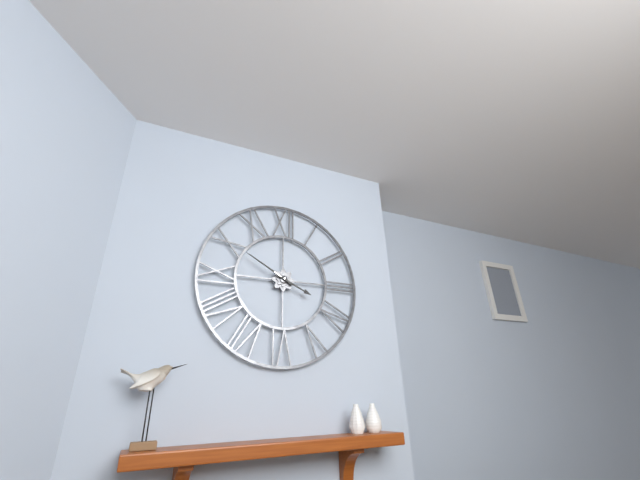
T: 3.50
